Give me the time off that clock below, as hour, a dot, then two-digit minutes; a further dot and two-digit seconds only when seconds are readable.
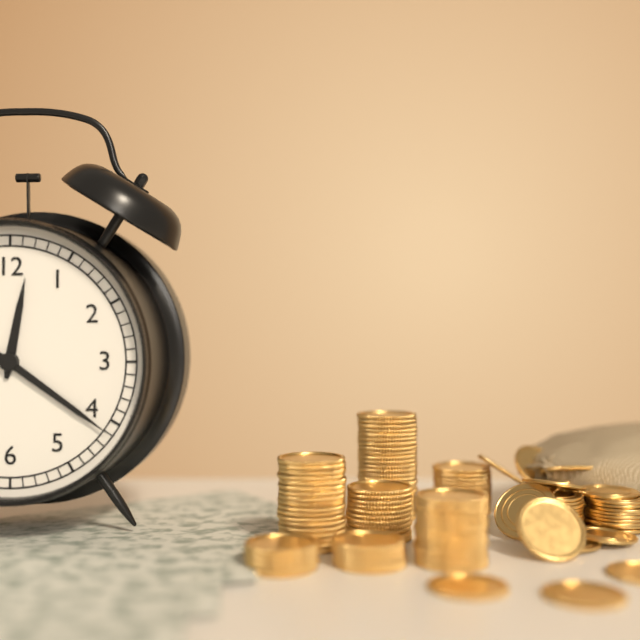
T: 12.21
